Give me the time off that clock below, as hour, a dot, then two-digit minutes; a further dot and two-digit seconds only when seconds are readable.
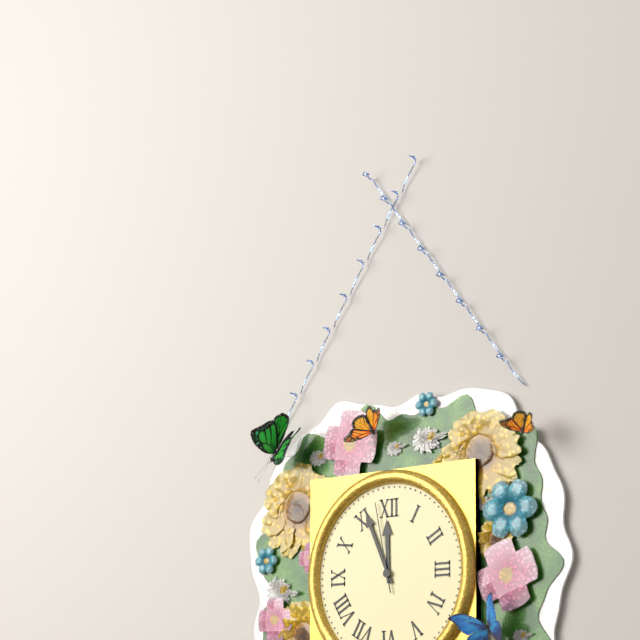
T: 11.56.58
